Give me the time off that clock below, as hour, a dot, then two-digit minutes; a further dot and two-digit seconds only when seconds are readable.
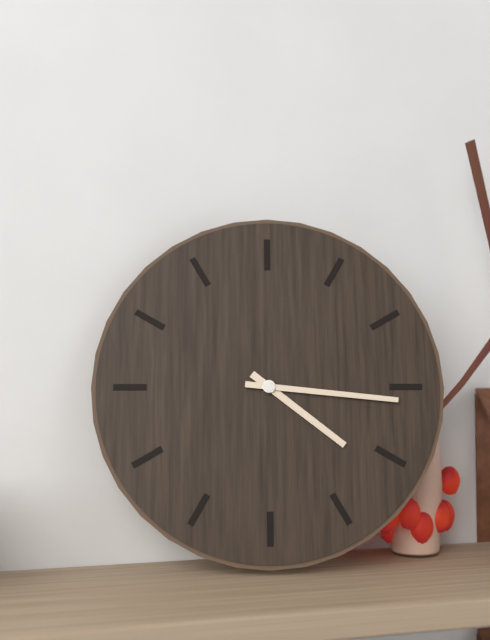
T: 4.16
